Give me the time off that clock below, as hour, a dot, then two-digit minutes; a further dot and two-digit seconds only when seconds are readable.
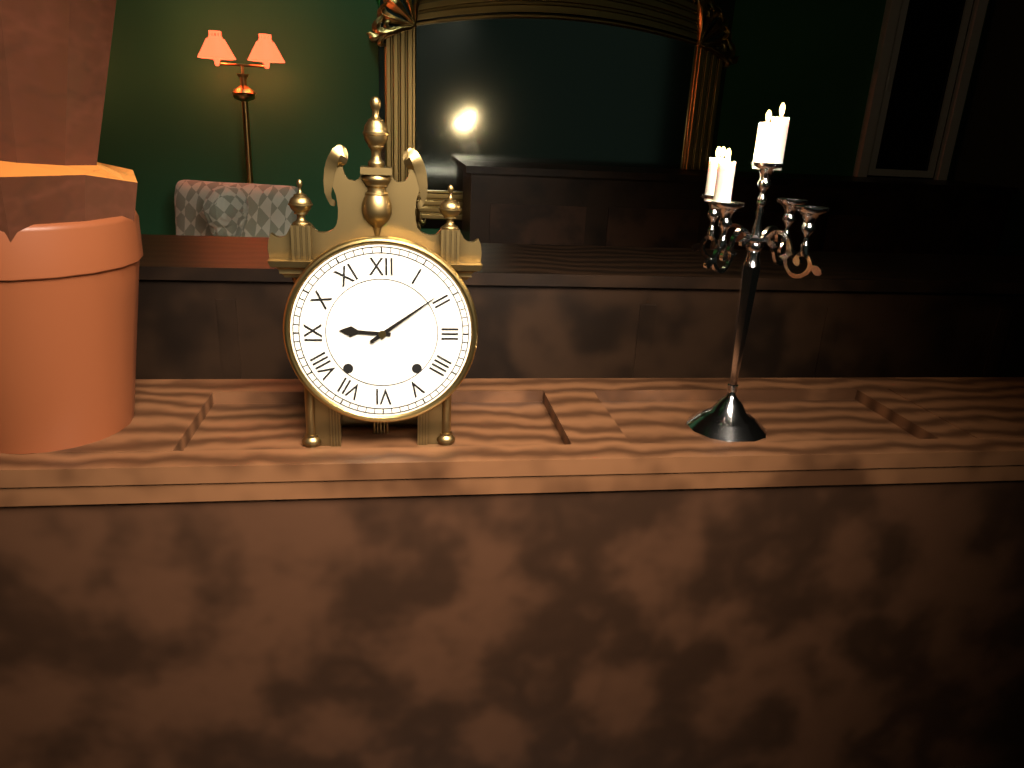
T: 9.09
